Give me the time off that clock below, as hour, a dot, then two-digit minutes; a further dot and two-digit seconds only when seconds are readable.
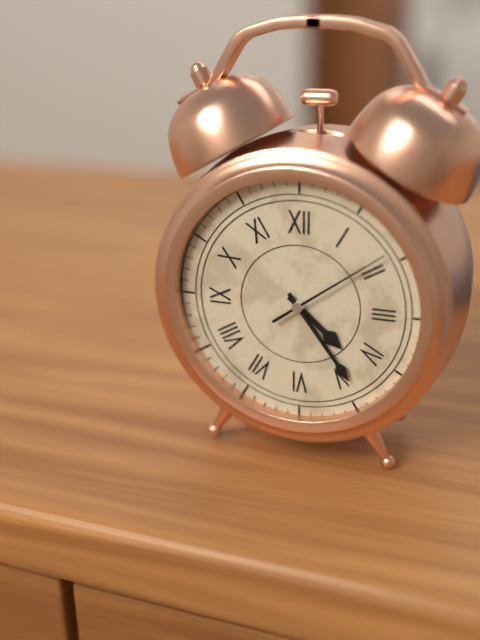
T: 4.24.09
